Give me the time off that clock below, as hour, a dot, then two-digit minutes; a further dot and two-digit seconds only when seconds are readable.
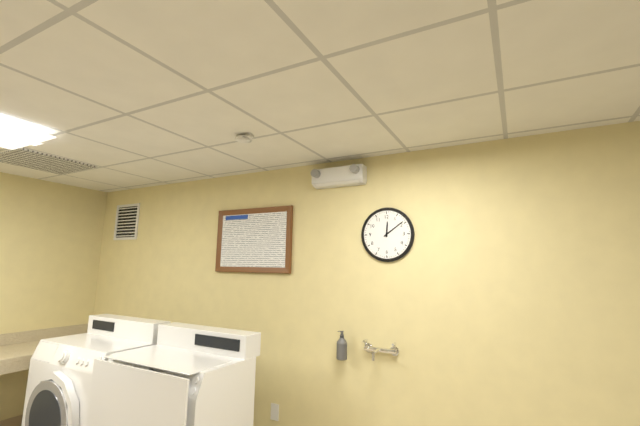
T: 12.09
